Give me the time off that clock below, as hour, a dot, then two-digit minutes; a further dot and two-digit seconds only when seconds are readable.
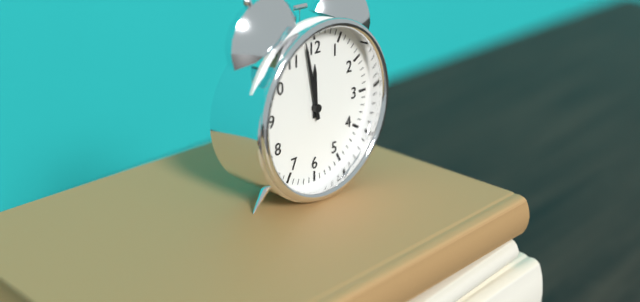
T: 11.58
